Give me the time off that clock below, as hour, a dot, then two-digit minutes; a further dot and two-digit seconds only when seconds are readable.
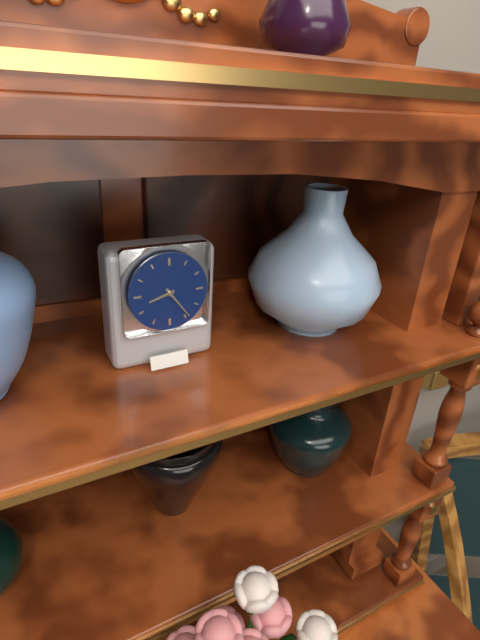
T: 8.24
